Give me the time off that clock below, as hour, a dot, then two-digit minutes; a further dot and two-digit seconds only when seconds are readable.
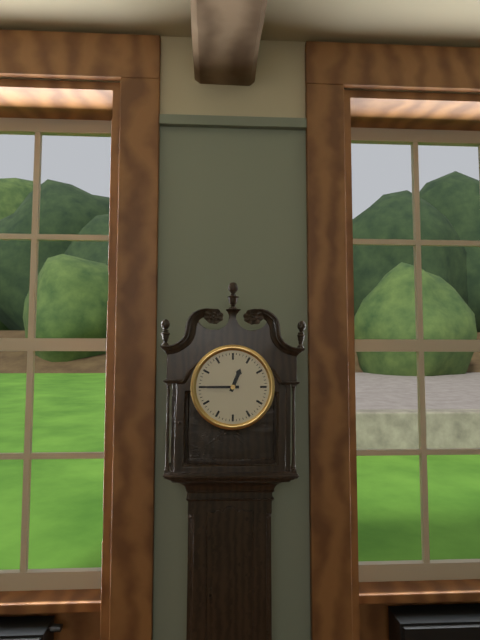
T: 12.45
